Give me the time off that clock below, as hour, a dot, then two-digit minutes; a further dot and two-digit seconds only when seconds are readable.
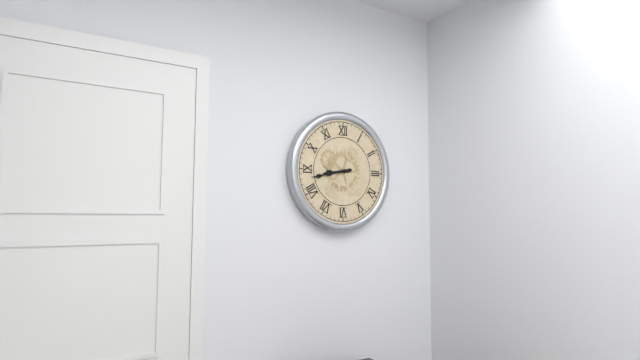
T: 8.43
